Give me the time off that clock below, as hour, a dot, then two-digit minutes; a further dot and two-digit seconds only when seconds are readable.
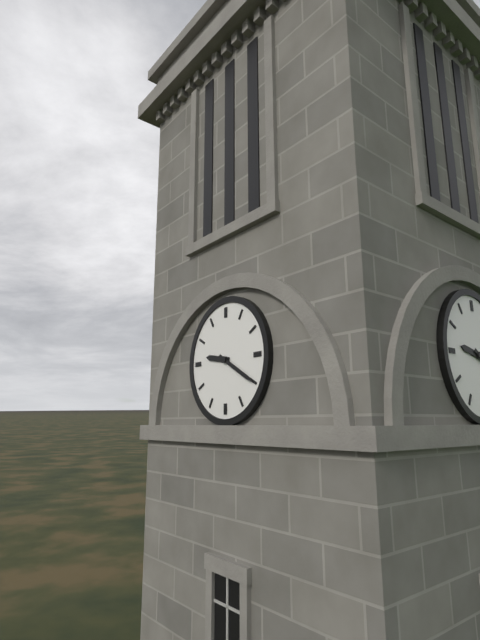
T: 9.20
